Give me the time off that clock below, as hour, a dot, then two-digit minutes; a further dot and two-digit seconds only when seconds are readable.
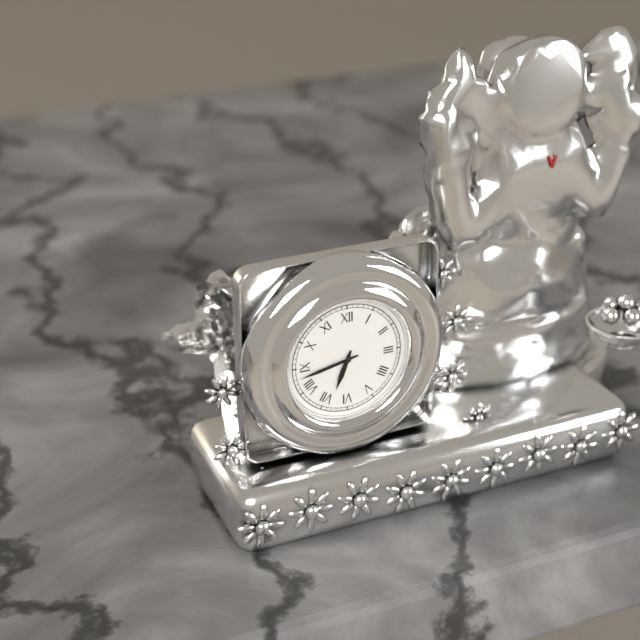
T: 6.43
